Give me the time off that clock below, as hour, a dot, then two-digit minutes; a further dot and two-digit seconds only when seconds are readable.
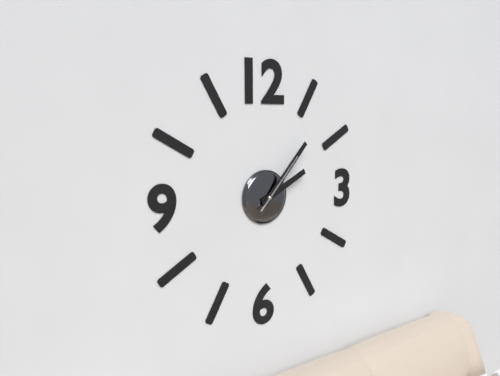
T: 2.07.07
